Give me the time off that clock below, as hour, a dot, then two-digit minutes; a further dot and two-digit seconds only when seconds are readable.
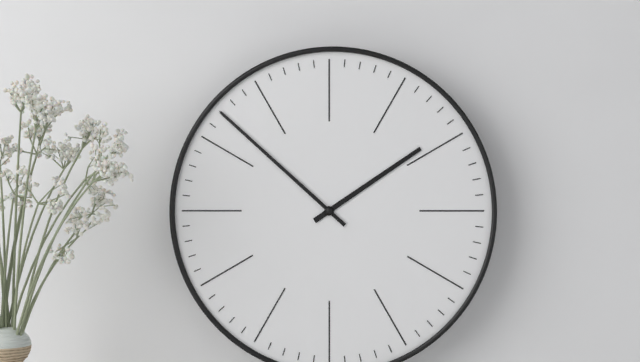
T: 1.52
